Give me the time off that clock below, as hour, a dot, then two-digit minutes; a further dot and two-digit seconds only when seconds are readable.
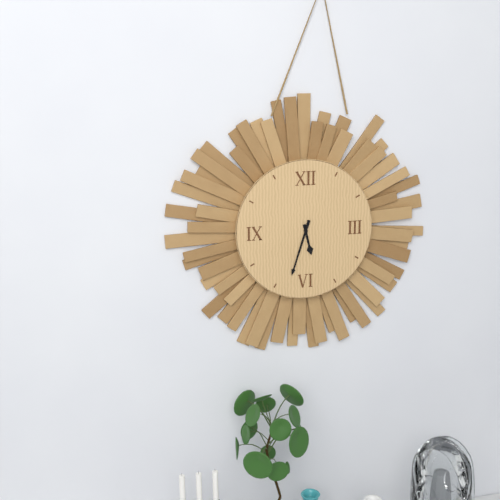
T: 5.33
